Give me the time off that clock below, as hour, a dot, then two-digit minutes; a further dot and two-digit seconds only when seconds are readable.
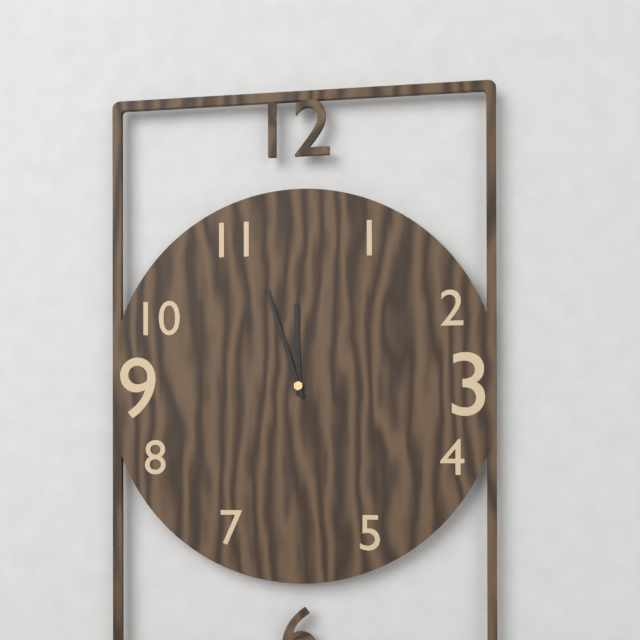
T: 11.57
